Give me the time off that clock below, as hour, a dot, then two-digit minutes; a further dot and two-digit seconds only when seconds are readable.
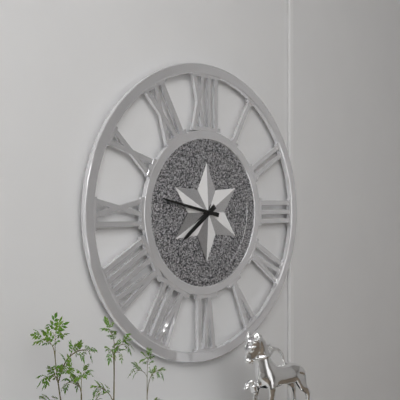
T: 7.47
